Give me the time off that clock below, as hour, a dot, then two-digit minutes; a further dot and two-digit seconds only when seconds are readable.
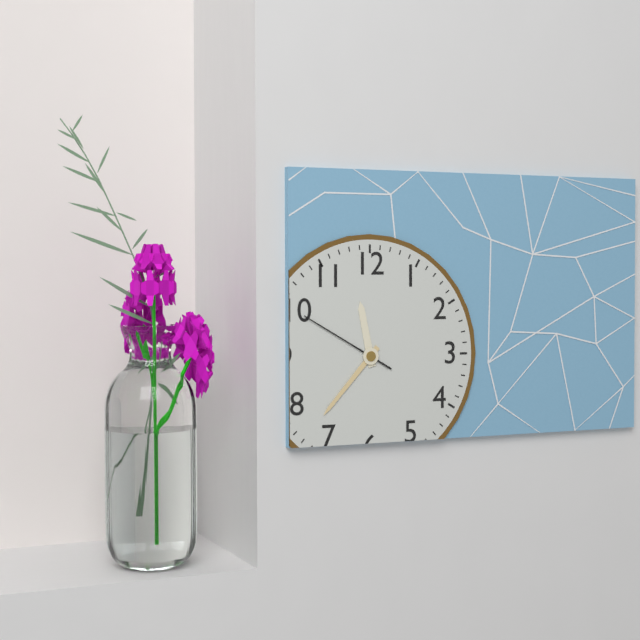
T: 11.37.50
